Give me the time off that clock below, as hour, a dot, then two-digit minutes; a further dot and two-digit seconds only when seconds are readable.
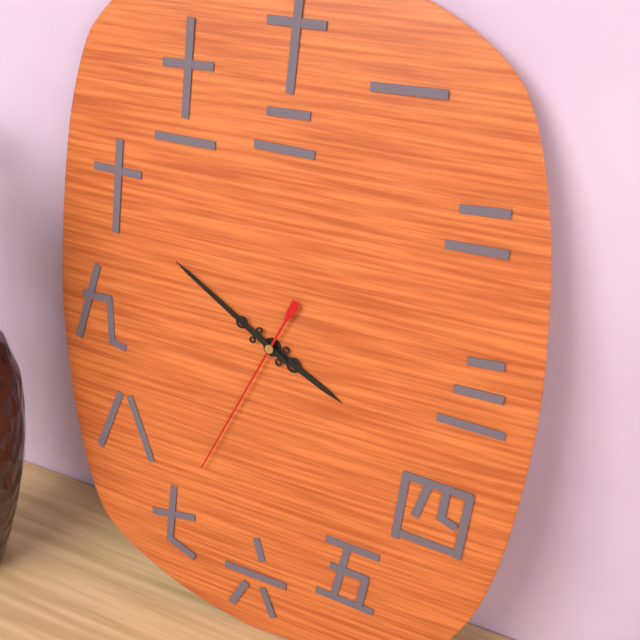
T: 3.50.34
